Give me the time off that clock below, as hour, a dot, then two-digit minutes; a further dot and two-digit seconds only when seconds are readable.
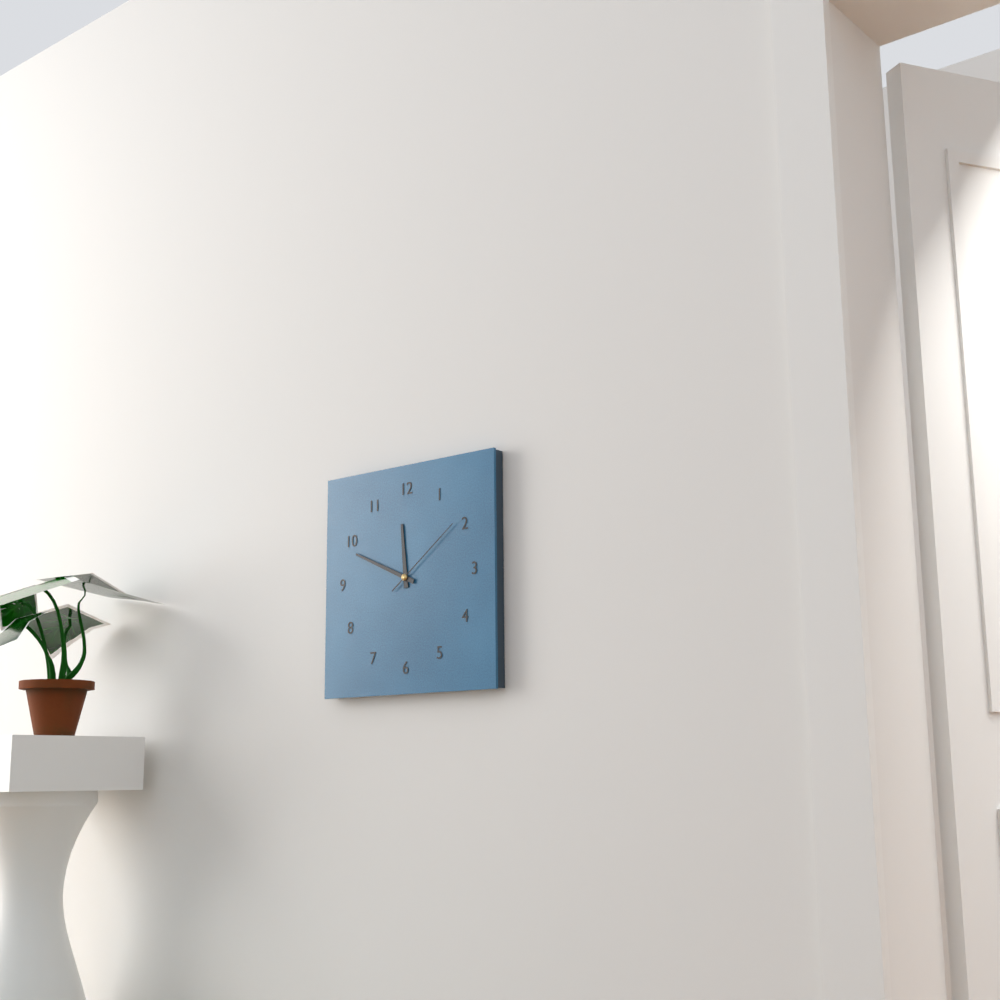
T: 11.49.09
